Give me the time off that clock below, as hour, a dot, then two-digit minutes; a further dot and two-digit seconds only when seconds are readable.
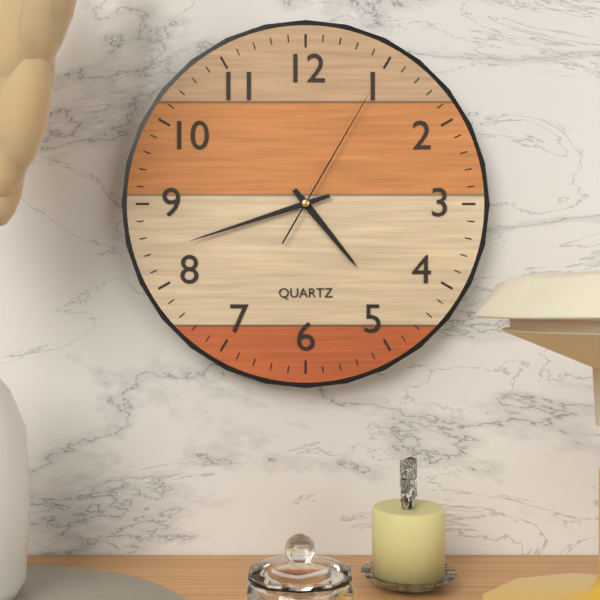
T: 4.42.05
